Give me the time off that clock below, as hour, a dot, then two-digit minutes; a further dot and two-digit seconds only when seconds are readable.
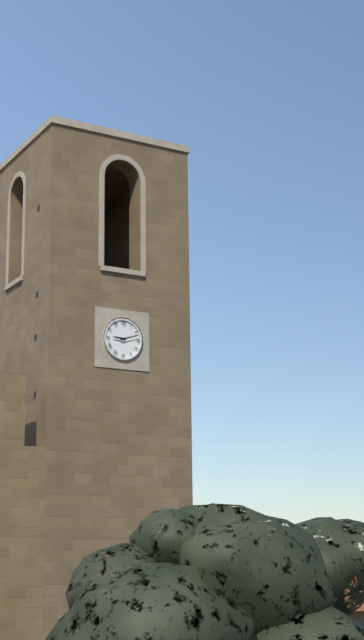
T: 9.12
